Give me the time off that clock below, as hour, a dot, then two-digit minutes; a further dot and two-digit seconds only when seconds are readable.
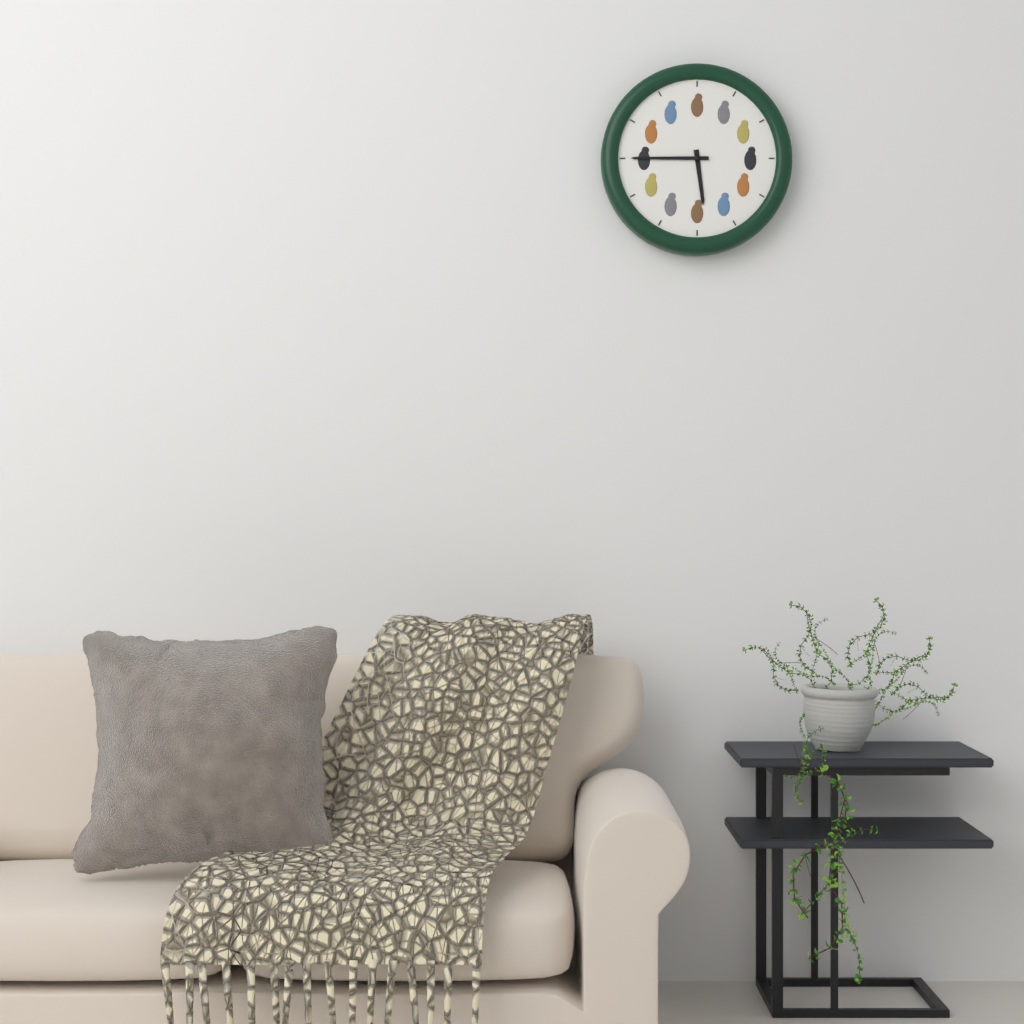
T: 5.45
